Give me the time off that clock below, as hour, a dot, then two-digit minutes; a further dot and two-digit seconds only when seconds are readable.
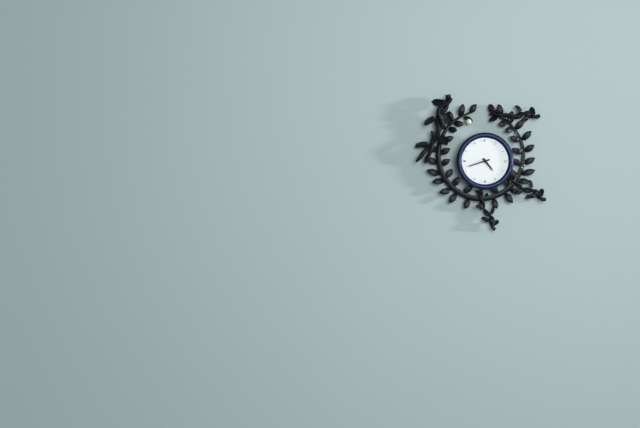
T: 4.42
